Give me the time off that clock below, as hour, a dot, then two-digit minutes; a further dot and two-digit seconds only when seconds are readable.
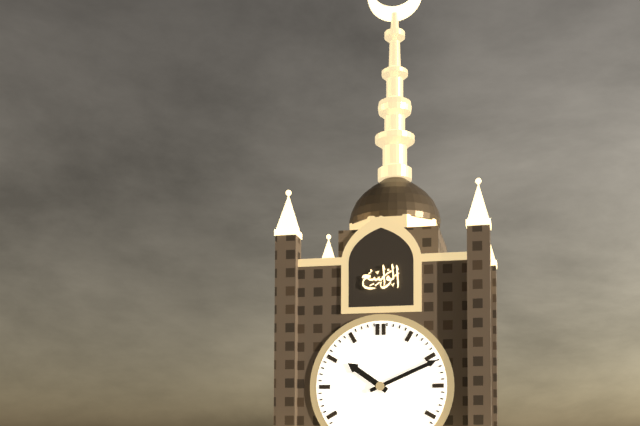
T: 10.11
